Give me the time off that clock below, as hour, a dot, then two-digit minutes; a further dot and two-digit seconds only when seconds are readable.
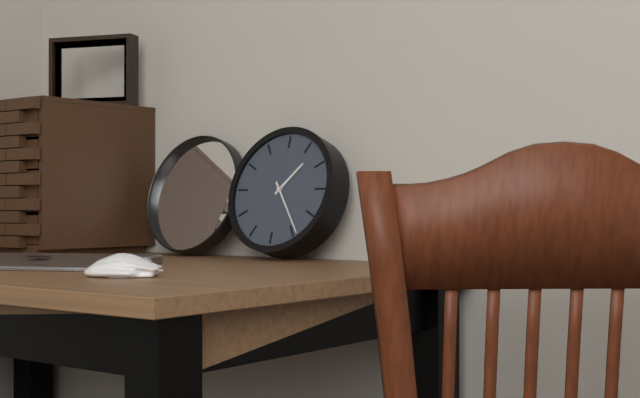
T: 1.24
